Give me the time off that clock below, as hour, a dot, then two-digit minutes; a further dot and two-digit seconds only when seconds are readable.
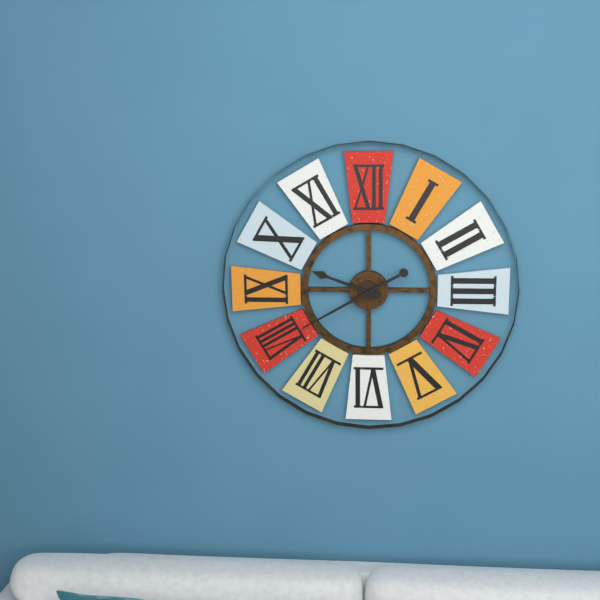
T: 9.40
